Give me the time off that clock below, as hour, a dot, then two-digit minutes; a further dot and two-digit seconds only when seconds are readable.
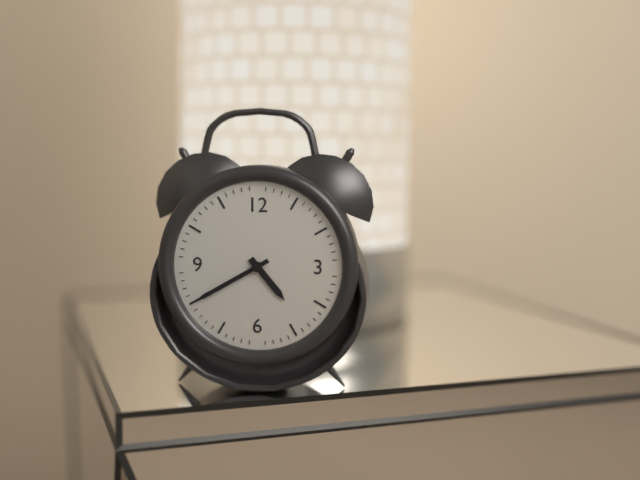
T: 4.40
